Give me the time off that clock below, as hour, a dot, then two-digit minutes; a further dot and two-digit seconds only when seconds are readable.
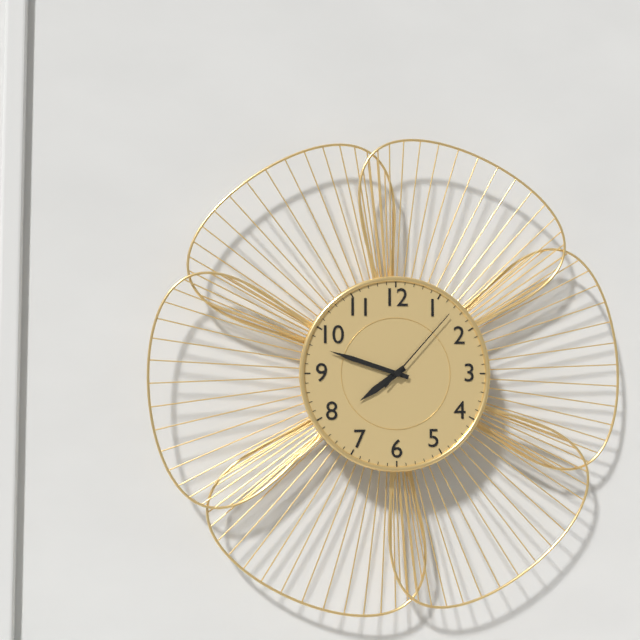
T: 7.48.07
